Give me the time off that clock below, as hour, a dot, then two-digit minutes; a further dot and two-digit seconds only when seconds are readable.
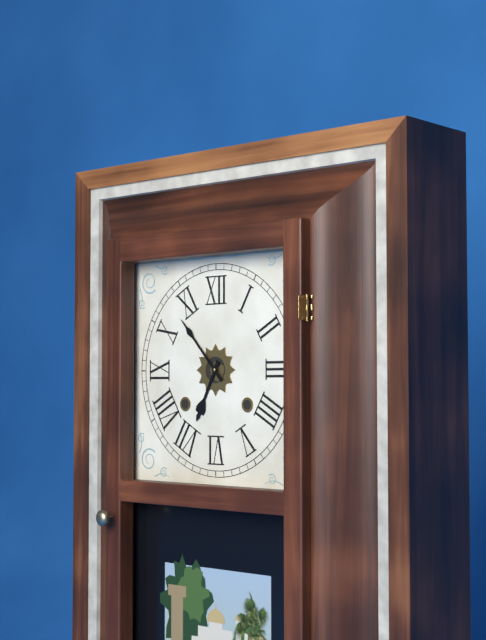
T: 6.53
